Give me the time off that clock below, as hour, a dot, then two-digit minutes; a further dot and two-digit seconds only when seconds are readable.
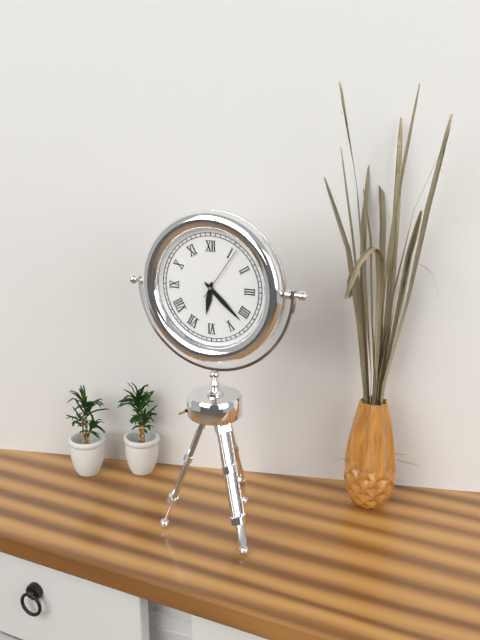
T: 6.22.06
